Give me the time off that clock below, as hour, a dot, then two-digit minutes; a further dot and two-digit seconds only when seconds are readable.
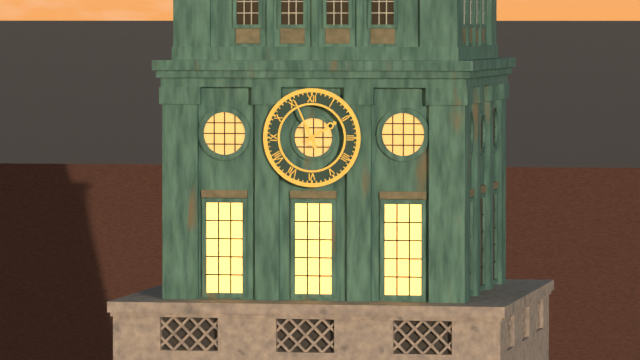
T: 1.56
